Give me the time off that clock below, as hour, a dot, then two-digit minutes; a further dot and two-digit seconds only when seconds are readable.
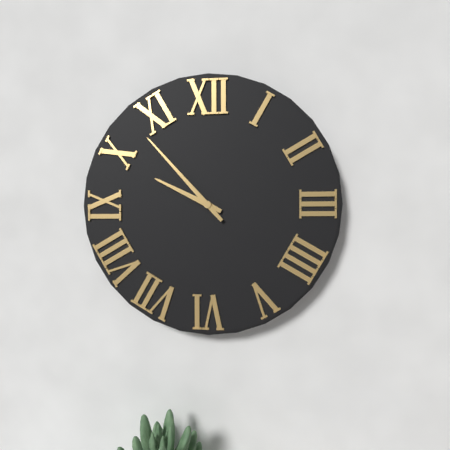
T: 9.53
